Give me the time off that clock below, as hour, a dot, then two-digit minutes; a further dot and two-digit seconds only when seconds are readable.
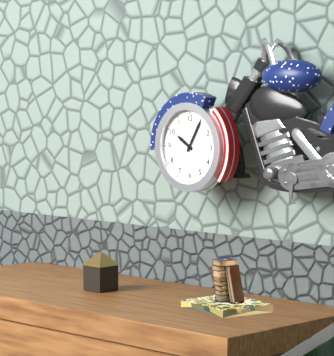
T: 10.05
